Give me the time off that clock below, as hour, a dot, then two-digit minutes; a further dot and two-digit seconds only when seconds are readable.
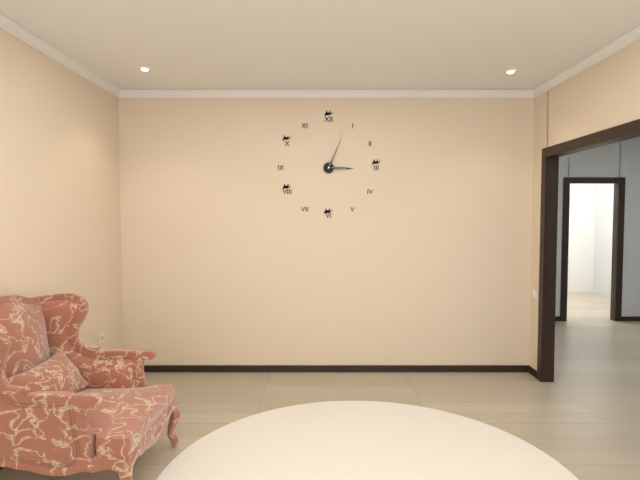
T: 3.04
